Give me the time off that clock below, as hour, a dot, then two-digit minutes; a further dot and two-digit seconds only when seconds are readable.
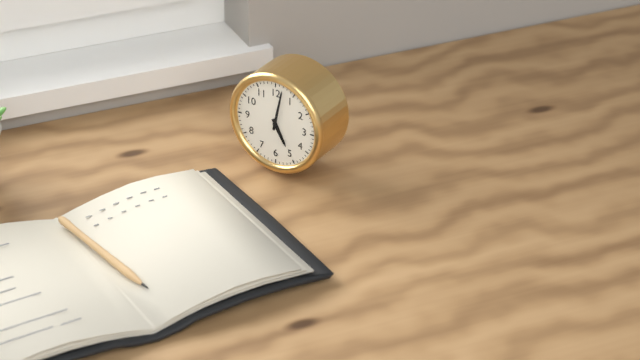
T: 5.02
